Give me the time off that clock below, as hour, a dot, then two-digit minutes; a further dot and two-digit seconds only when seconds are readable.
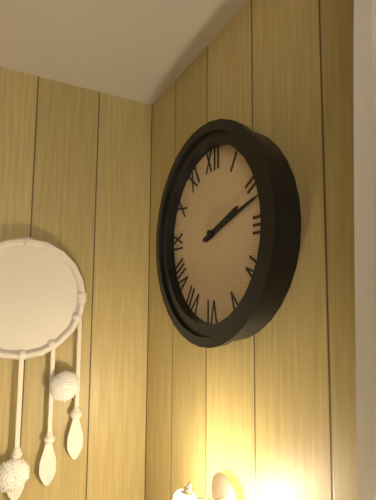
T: 2.12
